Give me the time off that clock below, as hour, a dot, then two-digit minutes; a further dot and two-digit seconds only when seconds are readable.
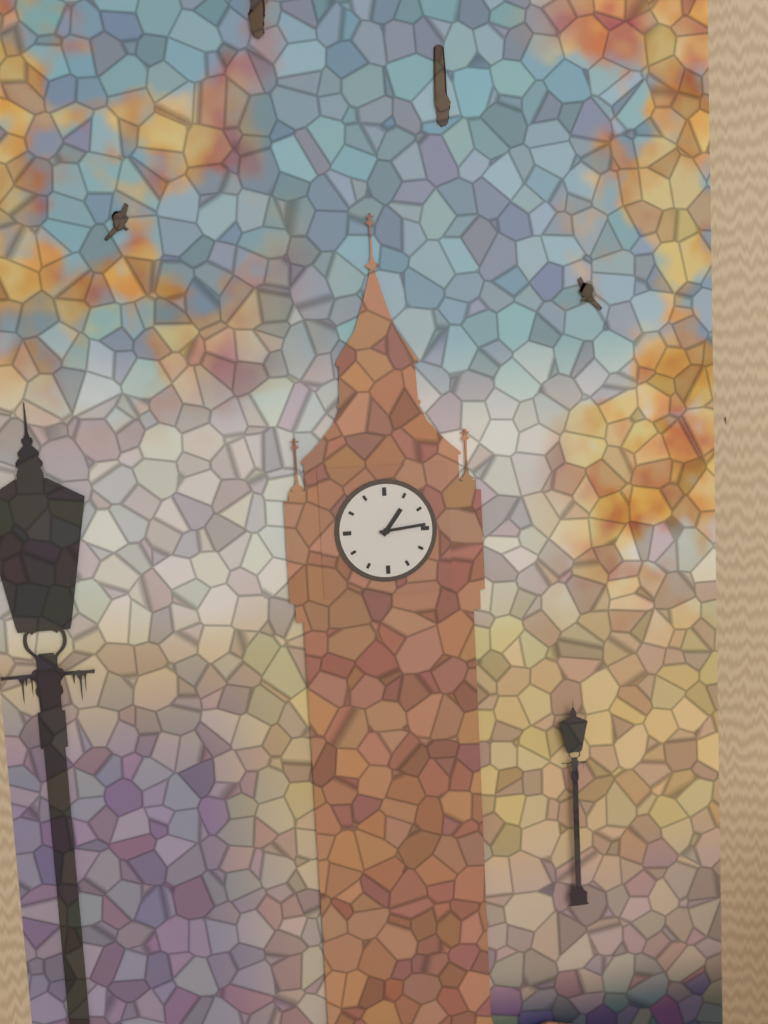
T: 1.14
